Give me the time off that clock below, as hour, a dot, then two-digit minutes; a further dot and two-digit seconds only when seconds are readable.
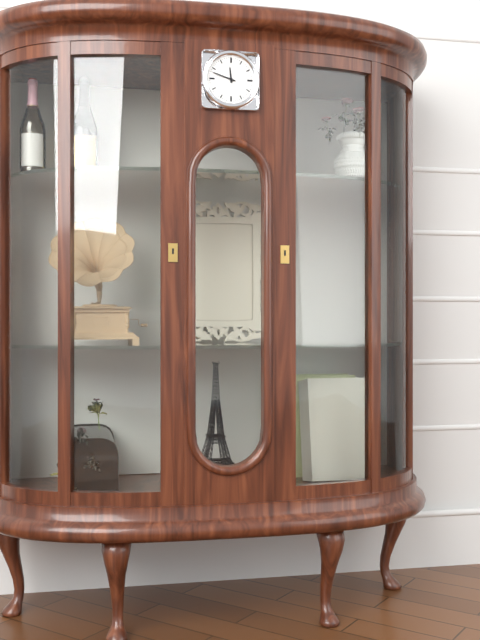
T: 11.48
